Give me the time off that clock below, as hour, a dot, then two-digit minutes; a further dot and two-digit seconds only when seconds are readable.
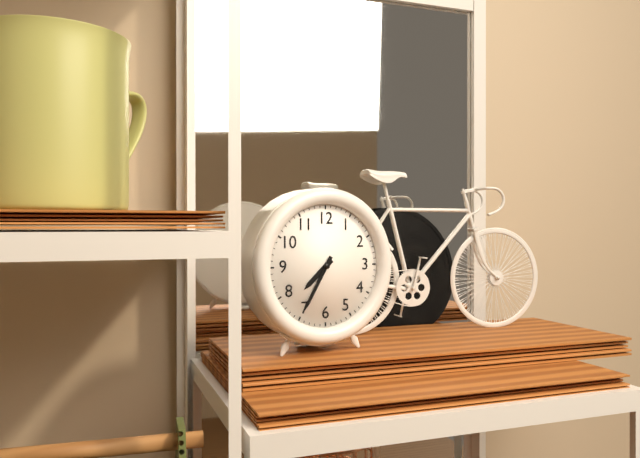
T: 7.35
